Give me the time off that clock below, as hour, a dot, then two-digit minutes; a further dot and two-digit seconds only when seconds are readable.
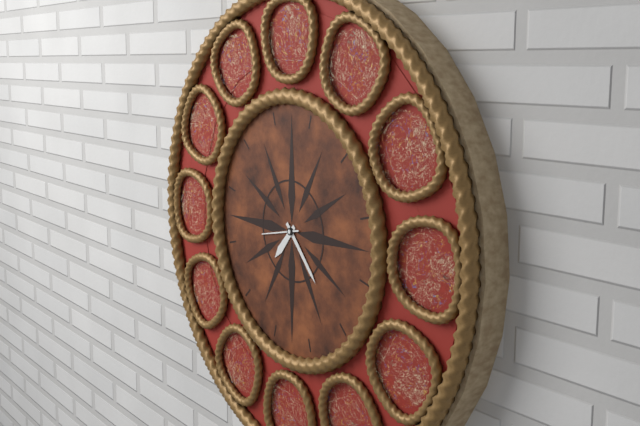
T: 7.23
